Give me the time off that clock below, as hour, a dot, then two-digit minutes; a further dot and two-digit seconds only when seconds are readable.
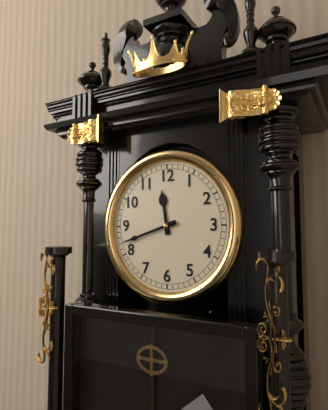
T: 11.42
